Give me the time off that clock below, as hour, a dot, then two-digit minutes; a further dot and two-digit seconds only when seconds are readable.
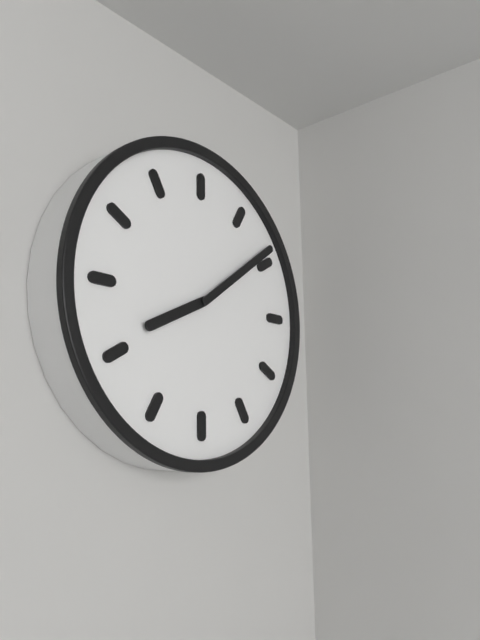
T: 8.09
